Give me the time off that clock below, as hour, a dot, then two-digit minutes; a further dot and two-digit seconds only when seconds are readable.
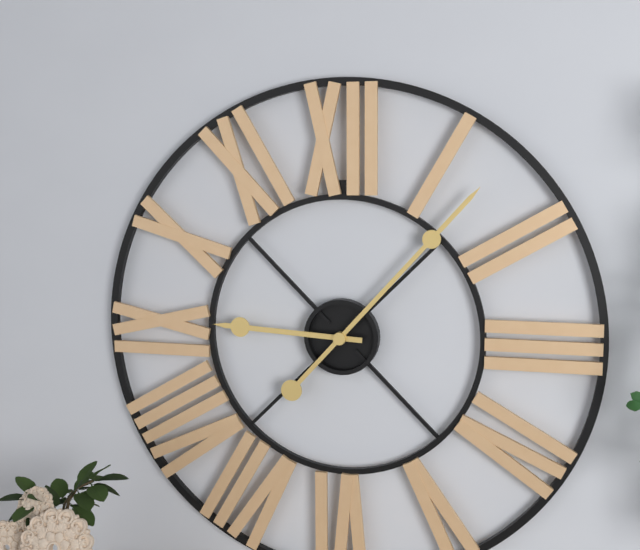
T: 9.07
